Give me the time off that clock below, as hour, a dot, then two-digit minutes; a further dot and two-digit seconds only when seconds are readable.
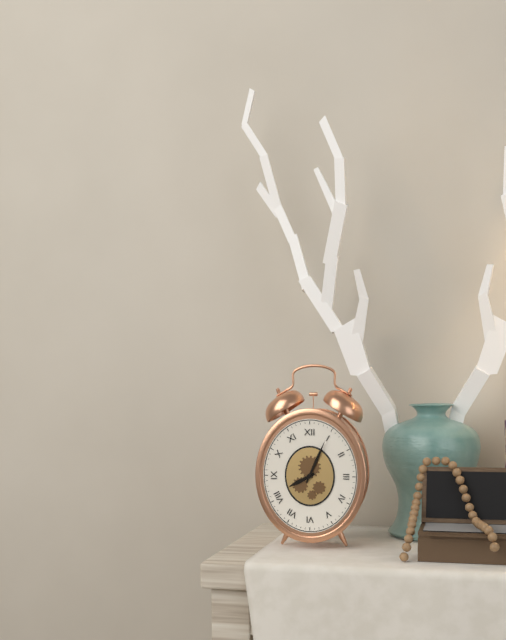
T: 8.04
